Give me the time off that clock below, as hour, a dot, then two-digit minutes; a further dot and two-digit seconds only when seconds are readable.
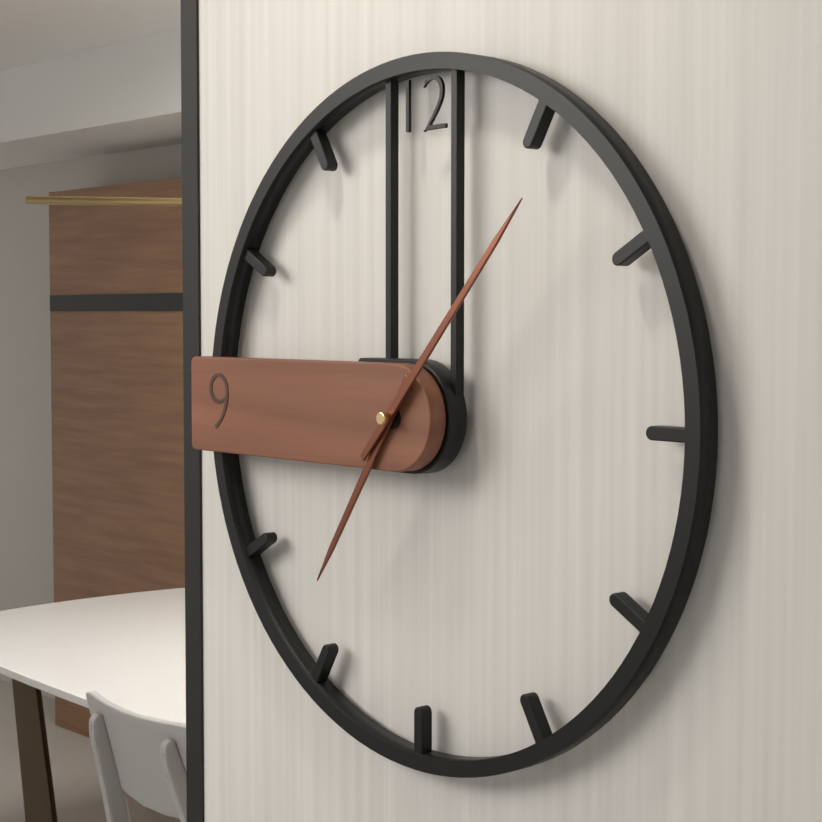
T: 7.07
